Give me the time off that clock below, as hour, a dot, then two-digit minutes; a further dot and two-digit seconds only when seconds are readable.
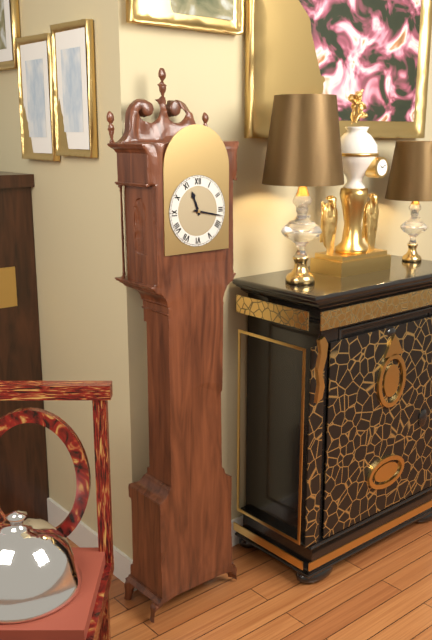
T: 11.17
